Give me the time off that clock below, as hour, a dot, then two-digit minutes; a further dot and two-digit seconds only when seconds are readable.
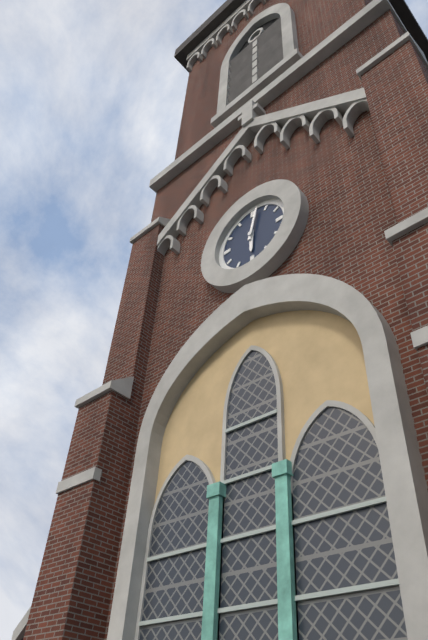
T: 6.02
